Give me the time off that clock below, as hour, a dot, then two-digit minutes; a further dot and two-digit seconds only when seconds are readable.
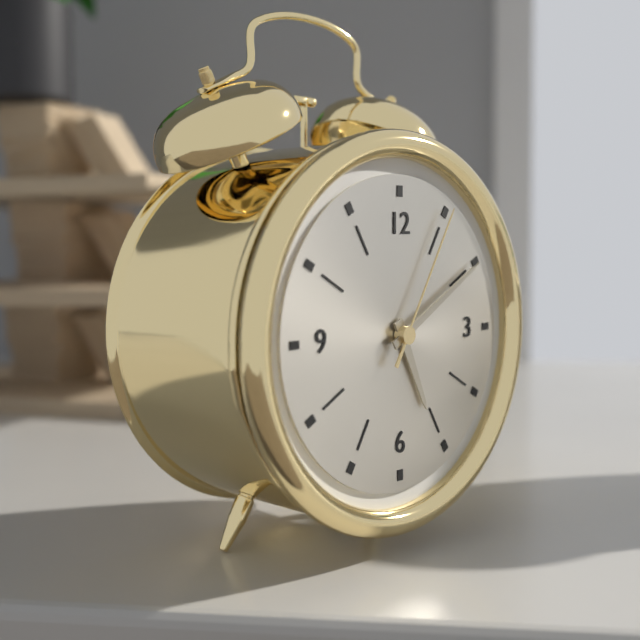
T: 5.10.05
